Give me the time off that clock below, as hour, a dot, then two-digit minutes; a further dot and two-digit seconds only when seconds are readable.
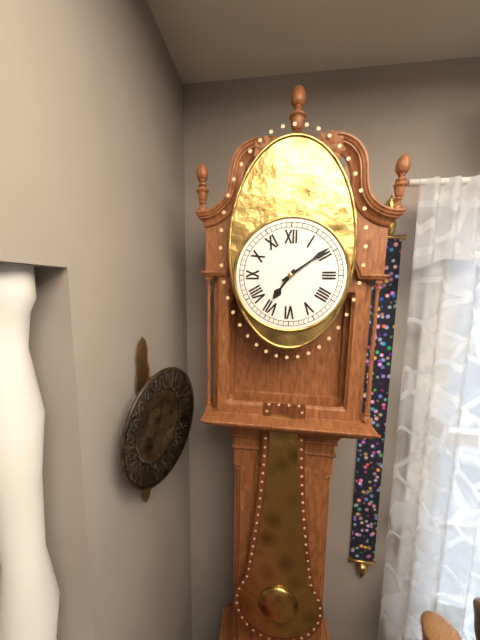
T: 7.09
